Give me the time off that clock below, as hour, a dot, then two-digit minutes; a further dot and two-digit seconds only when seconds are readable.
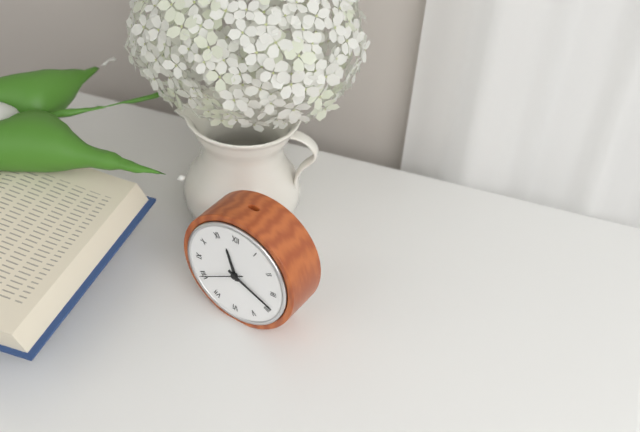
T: 11.19
